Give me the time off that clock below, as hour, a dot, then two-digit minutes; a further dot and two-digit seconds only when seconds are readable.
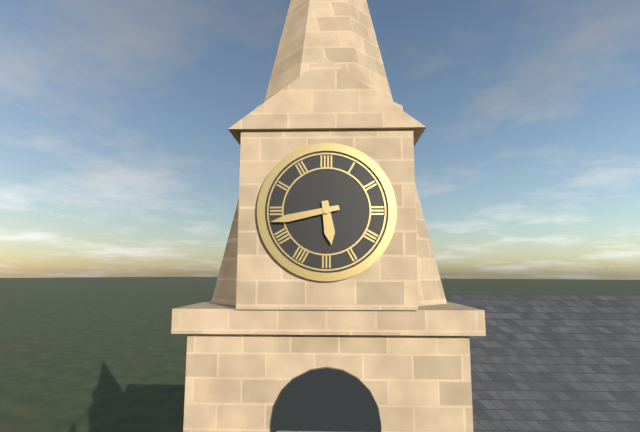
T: 5.43
